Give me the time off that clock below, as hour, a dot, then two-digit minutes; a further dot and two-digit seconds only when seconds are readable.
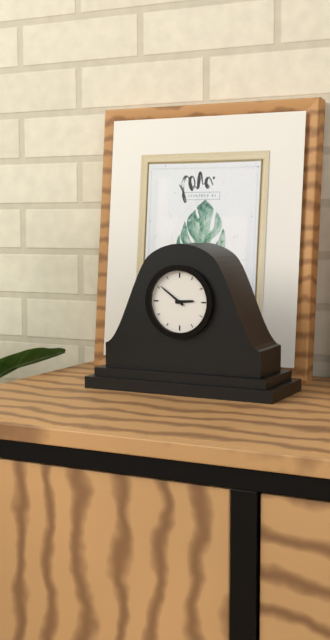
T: 2.51
